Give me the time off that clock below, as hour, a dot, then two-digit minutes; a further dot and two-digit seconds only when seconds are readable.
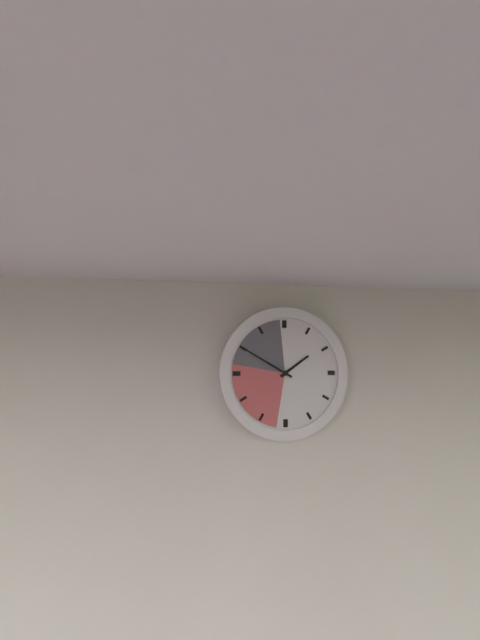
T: 1.50
